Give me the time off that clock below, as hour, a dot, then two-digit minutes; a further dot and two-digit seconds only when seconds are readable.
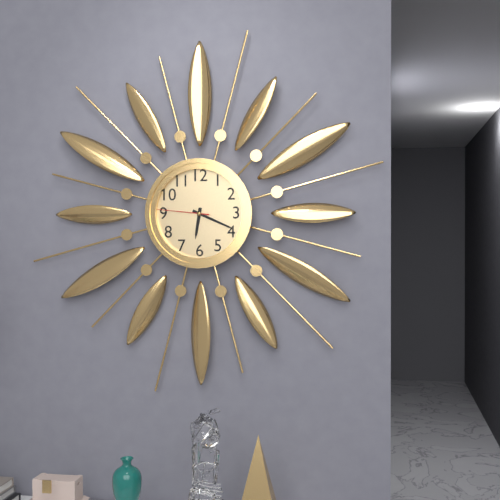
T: 6.19.46
